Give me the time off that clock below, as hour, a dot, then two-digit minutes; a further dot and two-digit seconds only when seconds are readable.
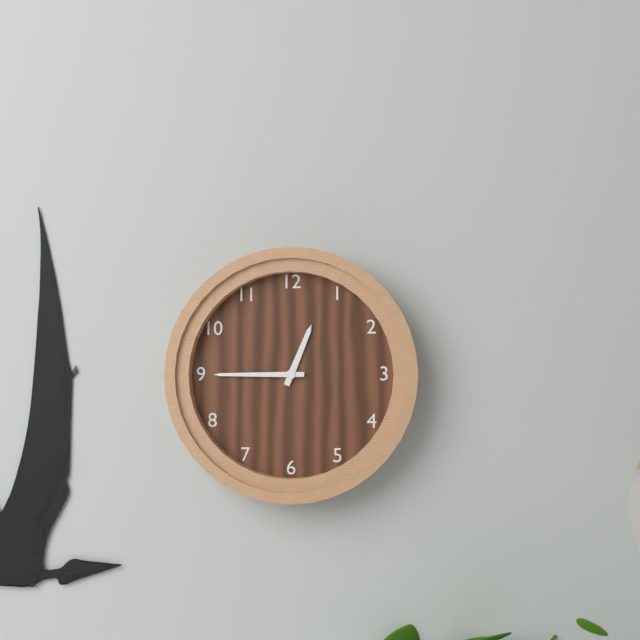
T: 12.45
